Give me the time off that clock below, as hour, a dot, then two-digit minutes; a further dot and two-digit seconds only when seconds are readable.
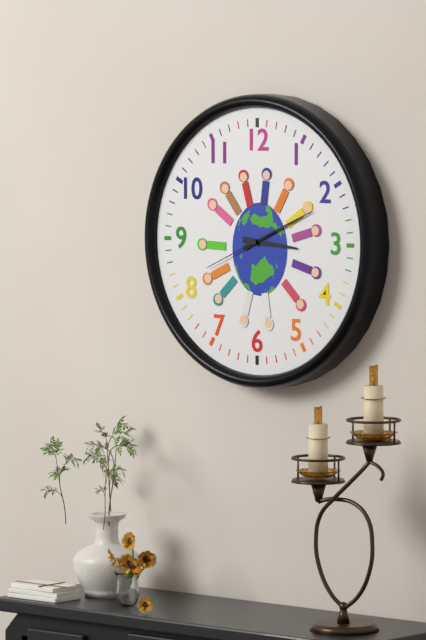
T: 3.11.41
